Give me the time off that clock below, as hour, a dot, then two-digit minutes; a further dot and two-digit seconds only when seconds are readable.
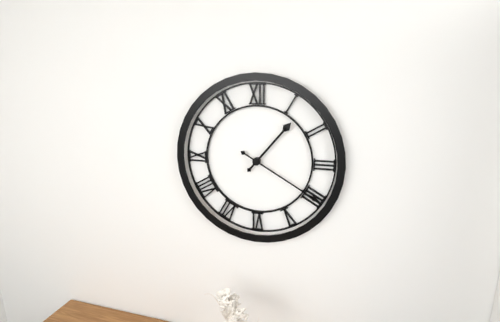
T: 1.20
